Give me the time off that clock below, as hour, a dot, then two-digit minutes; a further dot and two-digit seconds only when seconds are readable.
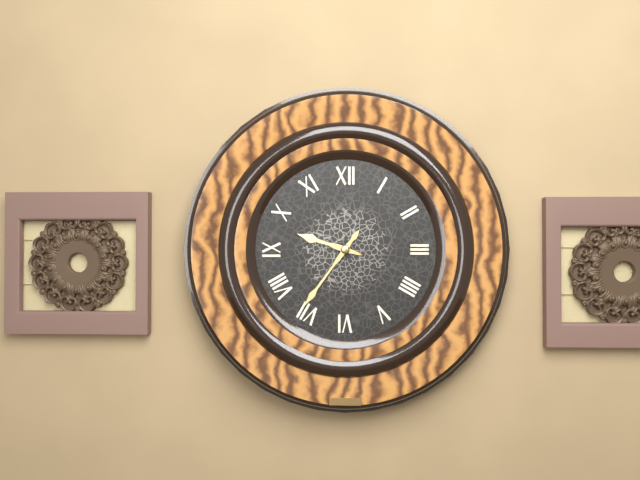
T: 9.36
